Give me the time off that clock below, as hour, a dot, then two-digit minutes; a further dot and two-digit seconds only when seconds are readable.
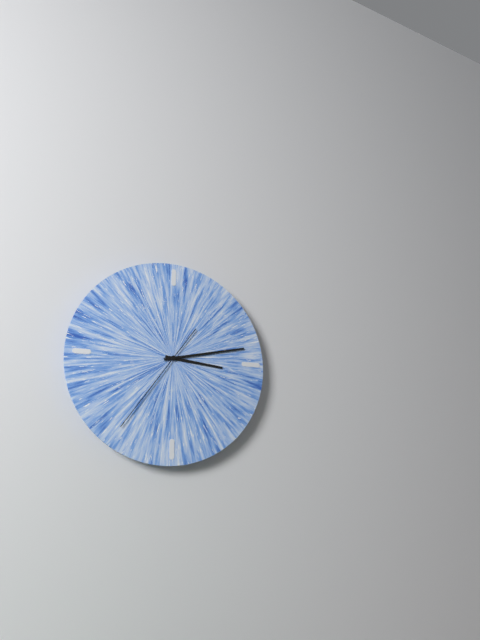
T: 3.13.36
